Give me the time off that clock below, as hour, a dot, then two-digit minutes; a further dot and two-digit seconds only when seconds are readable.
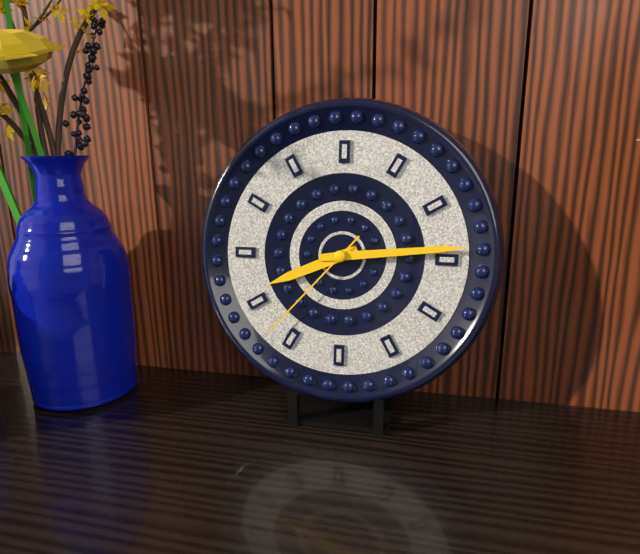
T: 8.14.37
